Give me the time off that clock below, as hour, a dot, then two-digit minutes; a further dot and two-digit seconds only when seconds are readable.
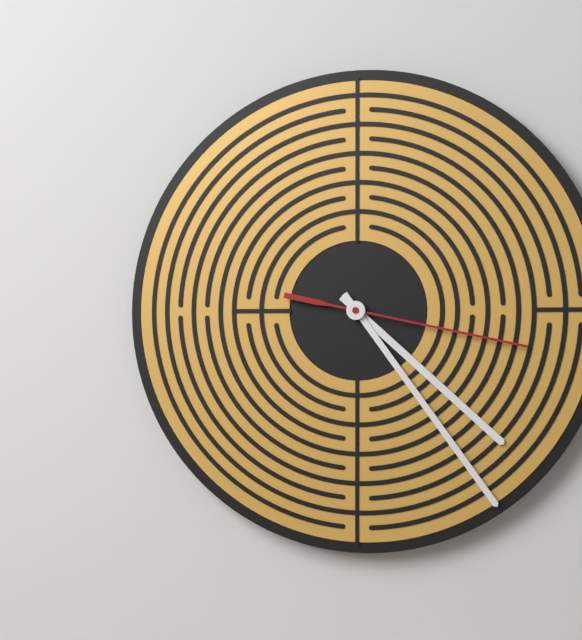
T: 4.24.17
